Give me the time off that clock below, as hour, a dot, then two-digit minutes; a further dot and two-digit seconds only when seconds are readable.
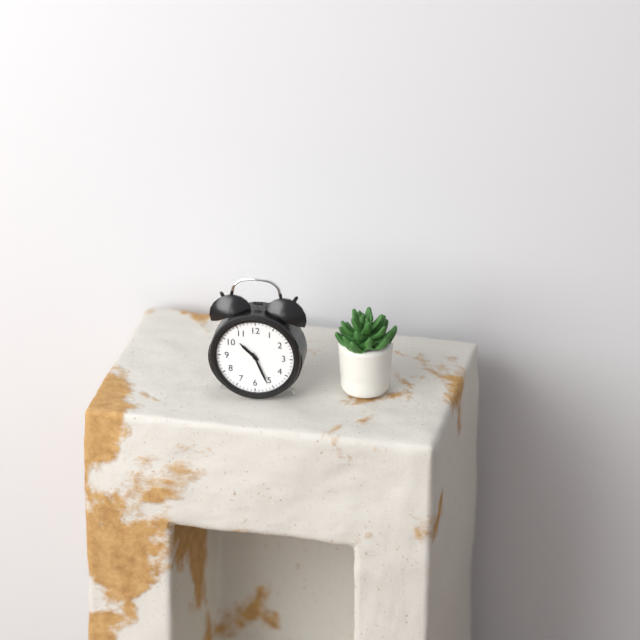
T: 10.26
